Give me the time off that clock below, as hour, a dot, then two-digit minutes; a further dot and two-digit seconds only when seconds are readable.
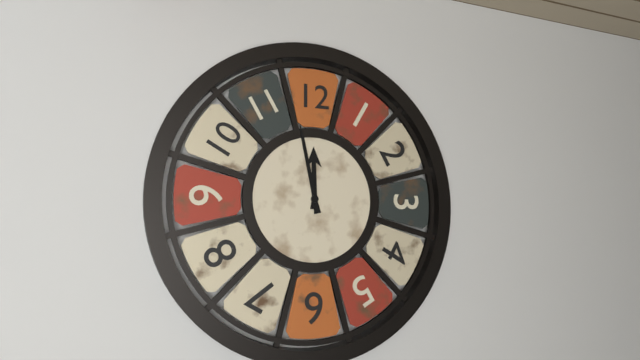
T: 11.58
